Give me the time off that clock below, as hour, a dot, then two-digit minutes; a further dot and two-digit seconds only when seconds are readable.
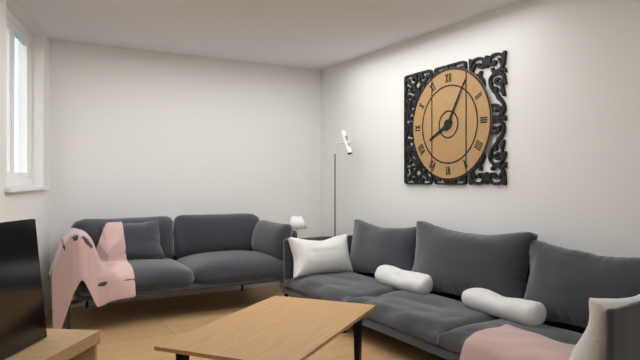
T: 8.05
